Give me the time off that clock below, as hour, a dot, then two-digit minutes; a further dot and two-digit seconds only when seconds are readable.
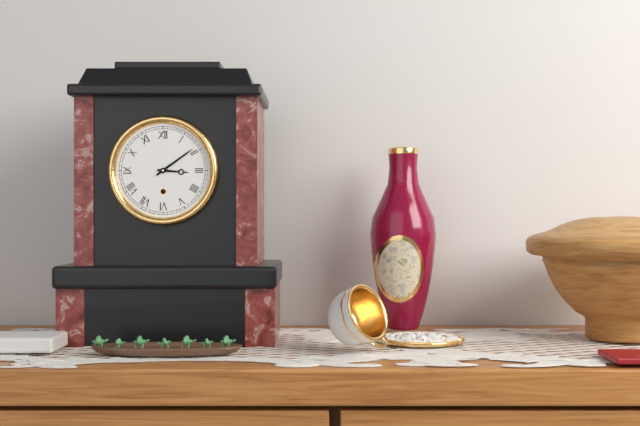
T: 3.09
